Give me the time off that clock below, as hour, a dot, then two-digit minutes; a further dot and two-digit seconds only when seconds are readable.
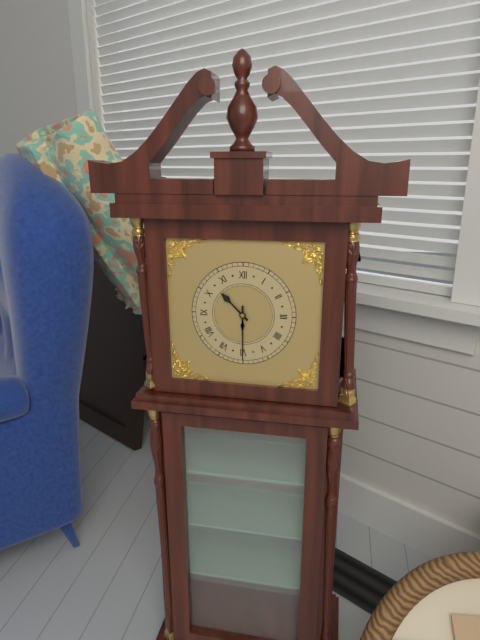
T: 10.30
